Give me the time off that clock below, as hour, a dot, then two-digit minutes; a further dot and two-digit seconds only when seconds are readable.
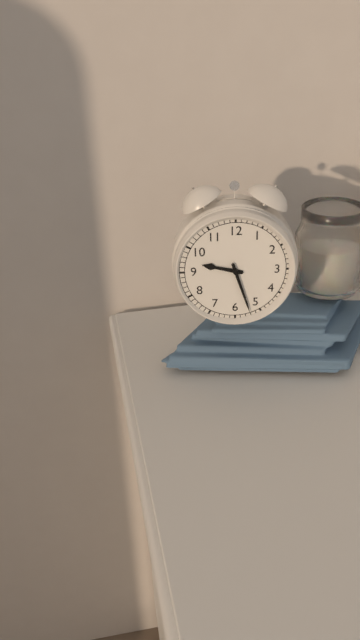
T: 9.27
